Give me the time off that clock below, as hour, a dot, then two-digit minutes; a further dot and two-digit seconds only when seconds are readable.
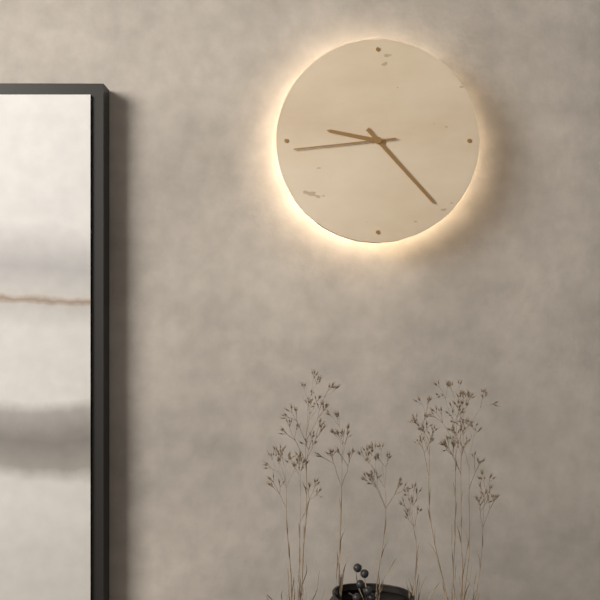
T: 9.23.44
